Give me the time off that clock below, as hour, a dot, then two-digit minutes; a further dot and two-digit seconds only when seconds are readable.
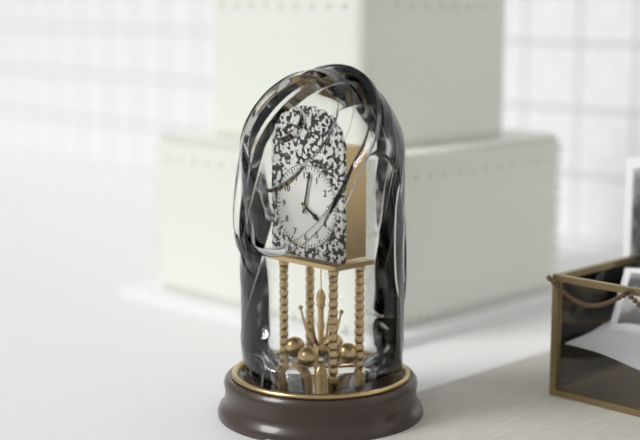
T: 4.02
